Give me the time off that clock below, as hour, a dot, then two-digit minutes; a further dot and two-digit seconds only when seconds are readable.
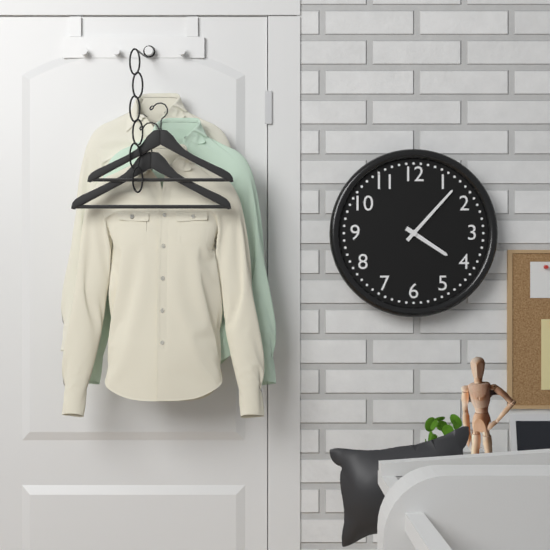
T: 4.07
